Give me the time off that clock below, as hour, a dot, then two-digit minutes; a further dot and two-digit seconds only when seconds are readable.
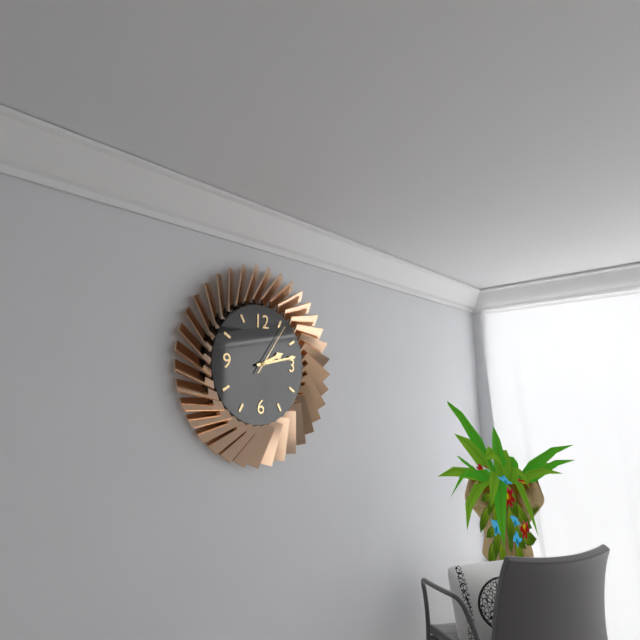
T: 2.13.06
